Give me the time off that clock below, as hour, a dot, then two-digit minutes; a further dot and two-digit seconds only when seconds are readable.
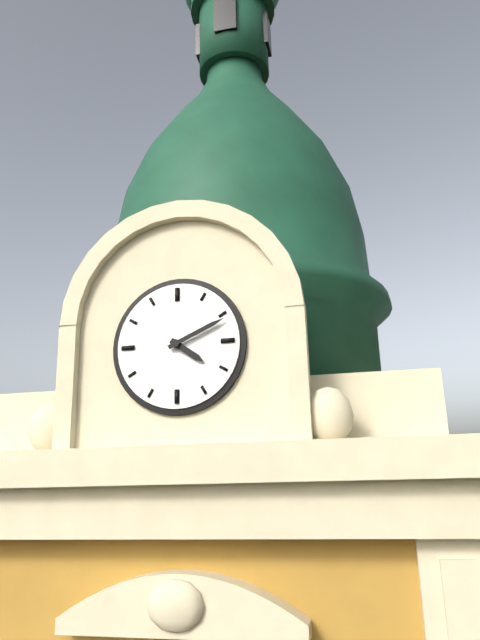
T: 4.11
